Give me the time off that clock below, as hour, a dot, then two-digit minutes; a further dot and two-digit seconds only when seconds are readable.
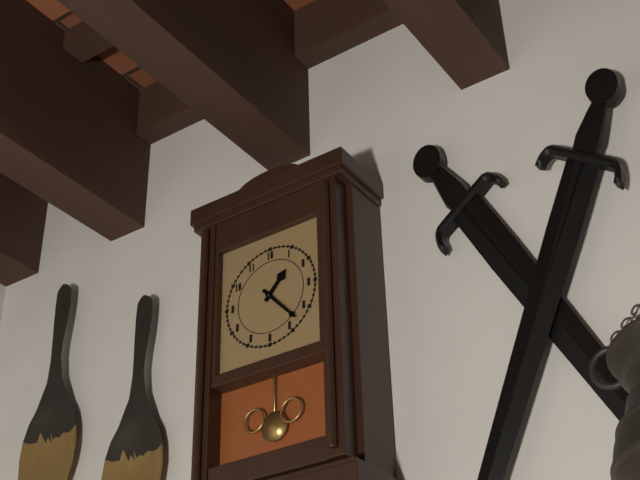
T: 1.23
